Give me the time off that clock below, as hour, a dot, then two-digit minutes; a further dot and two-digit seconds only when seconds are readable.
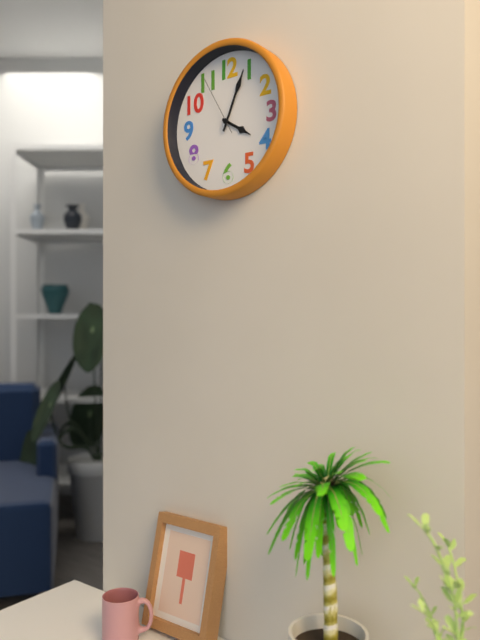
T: 4.04.55
